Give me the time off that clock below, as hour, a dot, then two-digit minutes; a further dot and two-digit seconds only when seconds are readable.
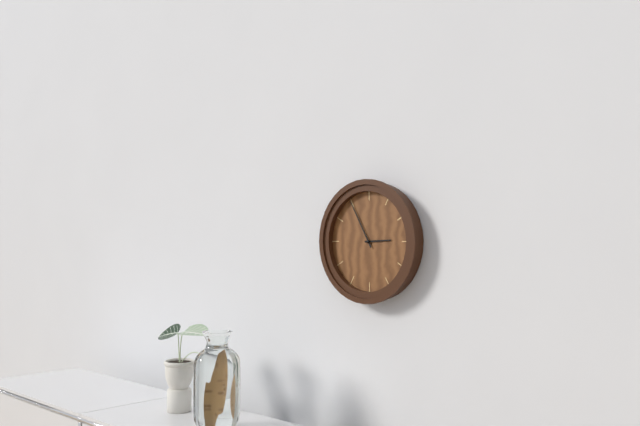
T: 2.55
